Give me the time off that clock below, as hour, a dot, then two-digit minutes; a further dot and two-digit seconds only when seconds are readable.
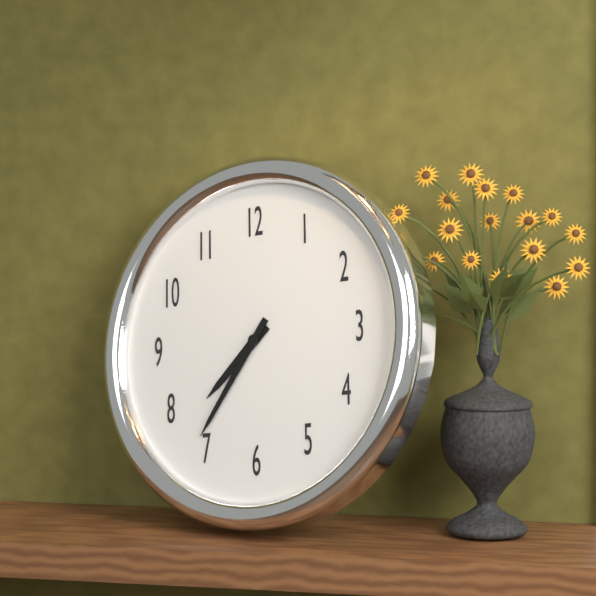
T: 7.36
